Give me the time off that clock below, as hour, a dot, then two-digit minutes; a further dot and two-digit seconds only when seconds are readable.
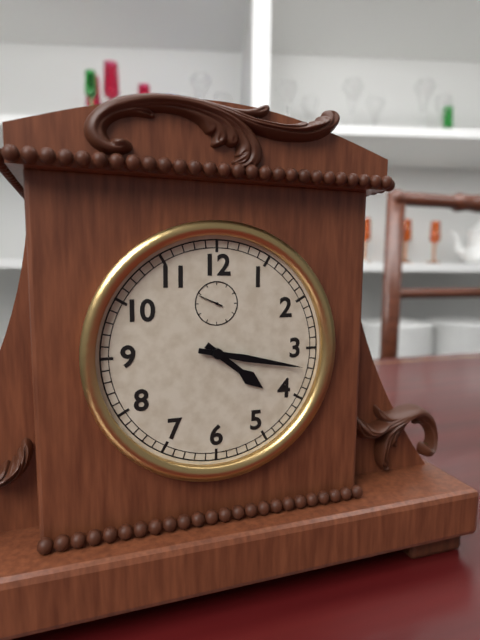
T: 4.17
